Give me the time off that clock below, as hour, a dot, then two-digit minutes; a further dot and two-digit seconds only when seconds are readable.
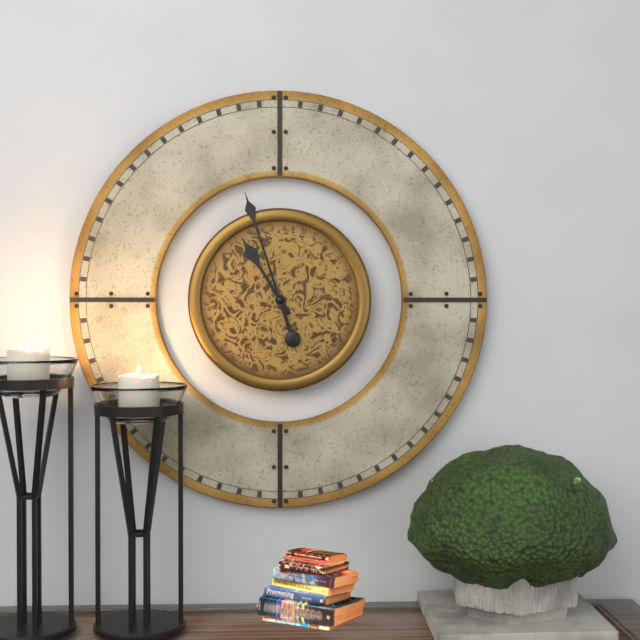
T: 10.57
